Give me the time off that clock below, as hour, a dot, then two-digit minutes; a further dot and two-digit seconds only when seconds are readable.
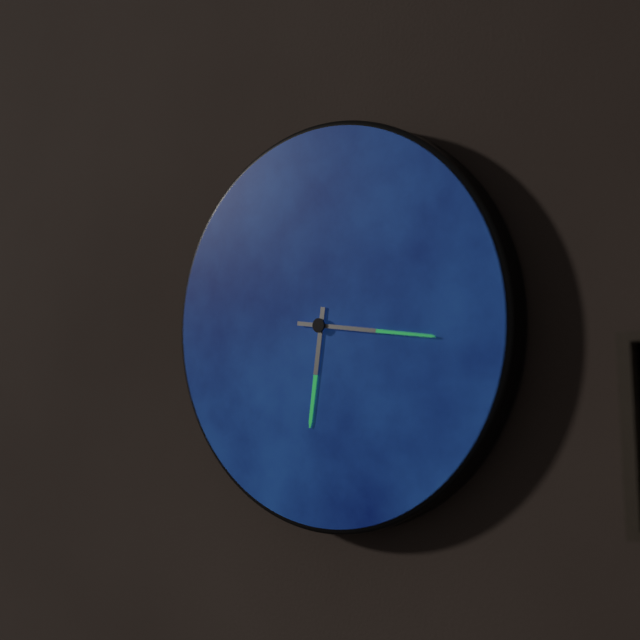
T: 6.16
